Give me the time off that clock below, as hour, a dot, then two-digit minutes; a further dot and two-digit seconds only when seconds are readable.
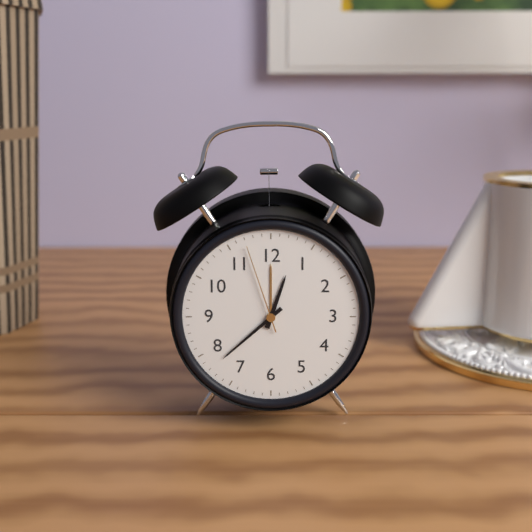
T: 12.38.57
